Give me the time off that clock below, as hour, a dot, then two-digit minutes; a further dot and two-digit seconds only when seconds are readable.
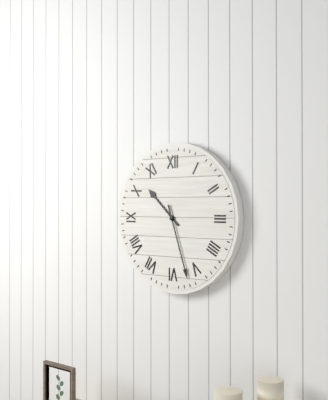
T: 10.27
